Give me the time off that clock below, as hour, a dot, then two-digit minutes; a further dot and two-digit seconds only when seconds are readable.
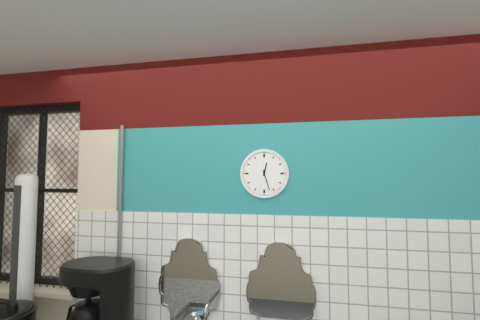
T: 12.27
